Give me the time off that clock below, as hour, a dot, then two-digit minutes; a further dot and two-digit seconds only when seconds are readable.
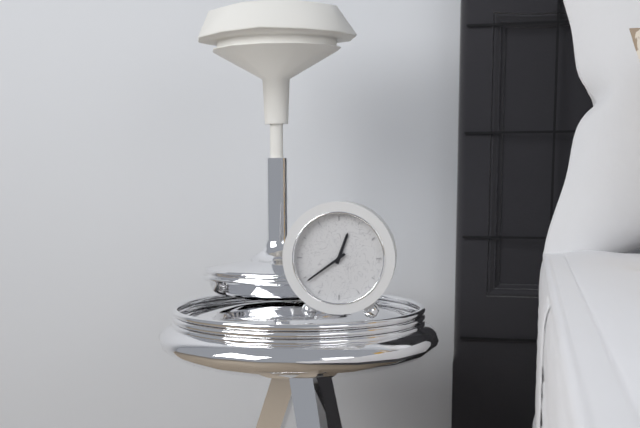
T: 12.39
